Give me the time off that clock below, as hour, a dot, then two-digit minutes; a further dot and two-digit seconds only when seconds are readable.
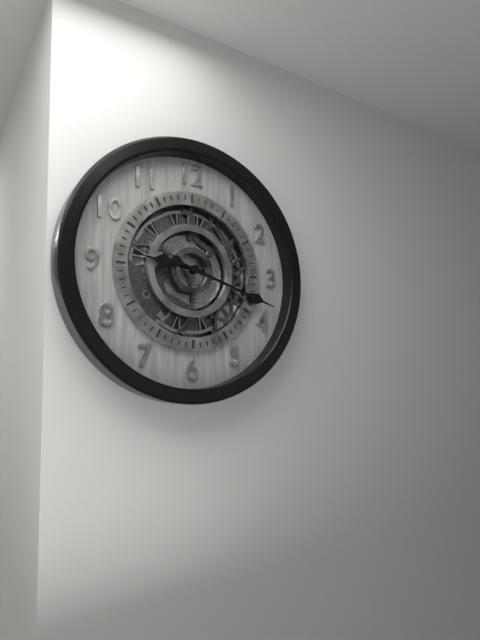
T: 9.18
